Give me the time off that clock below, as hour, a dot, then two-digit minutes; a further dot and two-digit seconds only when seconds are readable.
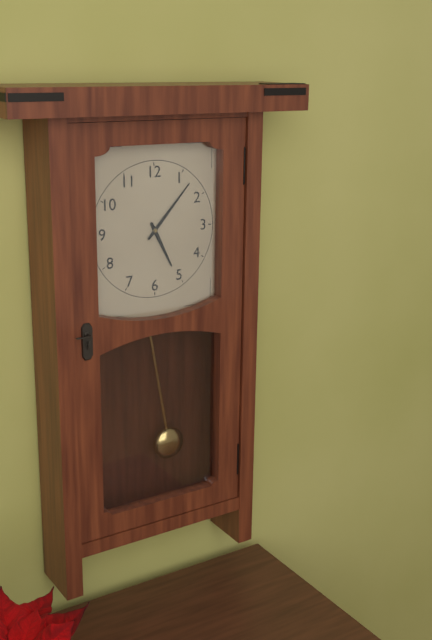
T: 5.07
